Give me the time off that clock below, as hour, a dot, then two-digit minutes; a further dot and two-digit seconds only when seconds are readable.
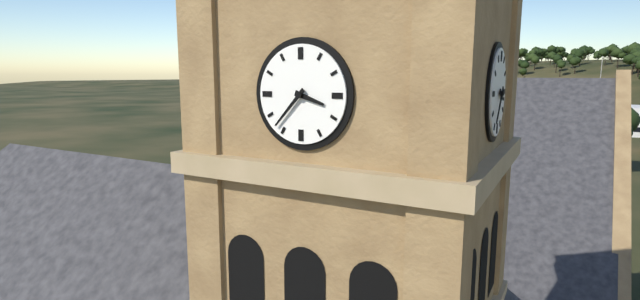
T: 3.37
